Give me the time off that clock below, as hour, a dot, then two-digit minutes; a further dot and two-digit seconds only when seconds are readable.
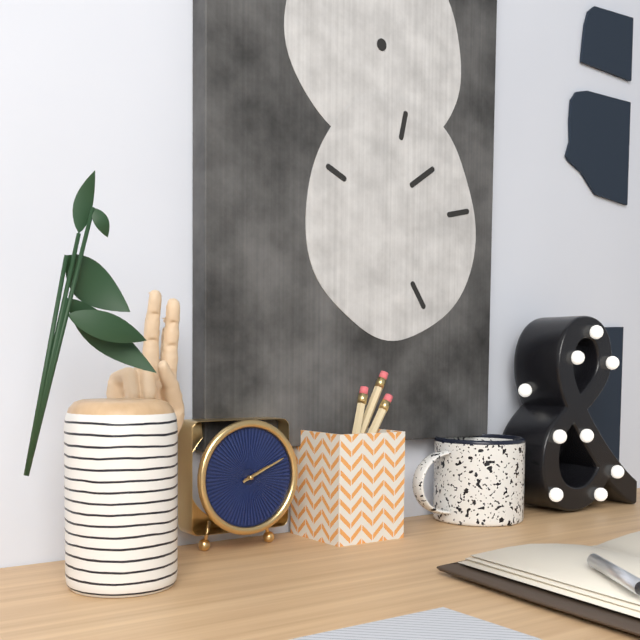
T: 2.11
